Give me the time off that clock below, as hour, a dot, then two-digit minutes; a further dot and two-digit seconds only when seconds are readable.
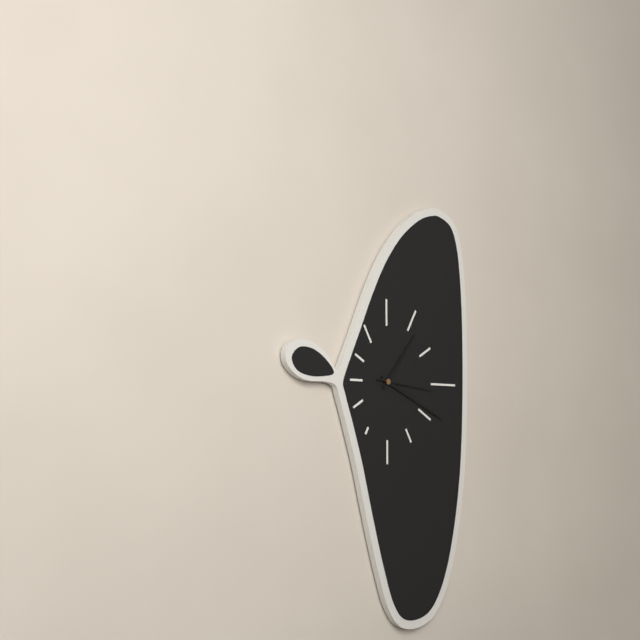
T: 1.19.16
